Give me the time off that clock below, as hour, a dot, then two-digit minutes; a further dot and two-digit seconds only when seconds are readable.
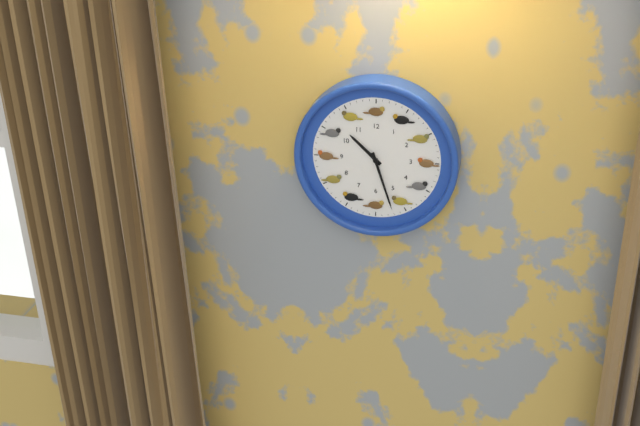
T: 10.27
